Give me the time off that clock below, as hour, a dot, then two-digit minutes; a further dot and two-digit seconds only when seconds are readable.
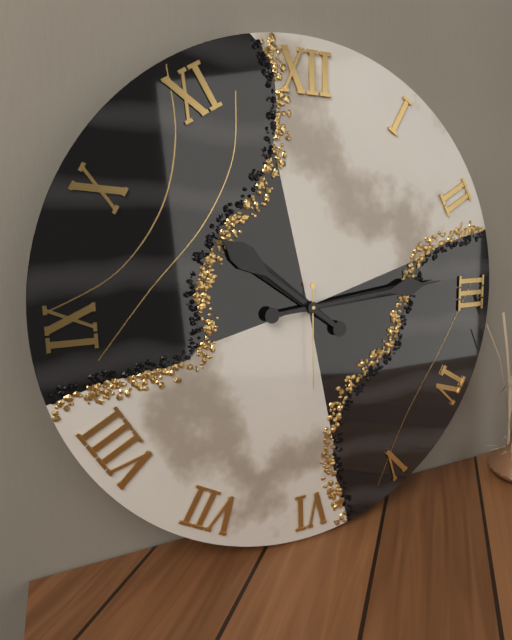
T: 10.14.30
